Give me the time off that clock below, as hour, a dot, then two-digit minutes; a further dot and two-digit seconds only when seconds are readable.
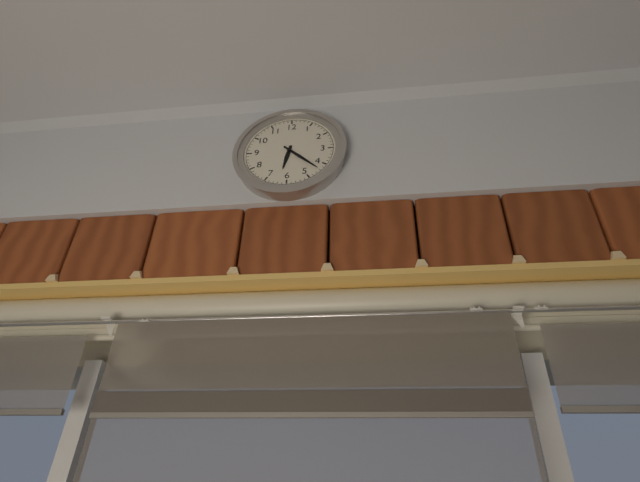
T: 6.22
